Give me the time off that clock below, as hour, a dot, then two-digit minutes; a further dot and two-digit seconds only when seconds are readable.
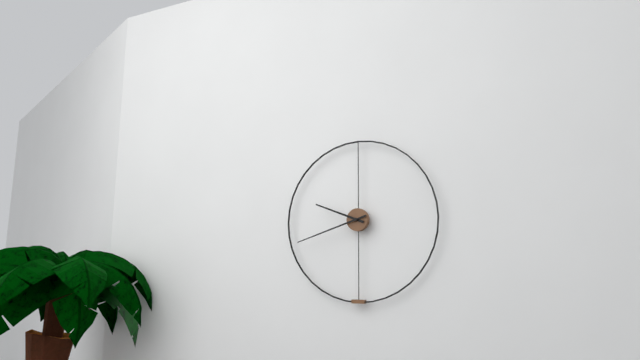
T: 9.42
